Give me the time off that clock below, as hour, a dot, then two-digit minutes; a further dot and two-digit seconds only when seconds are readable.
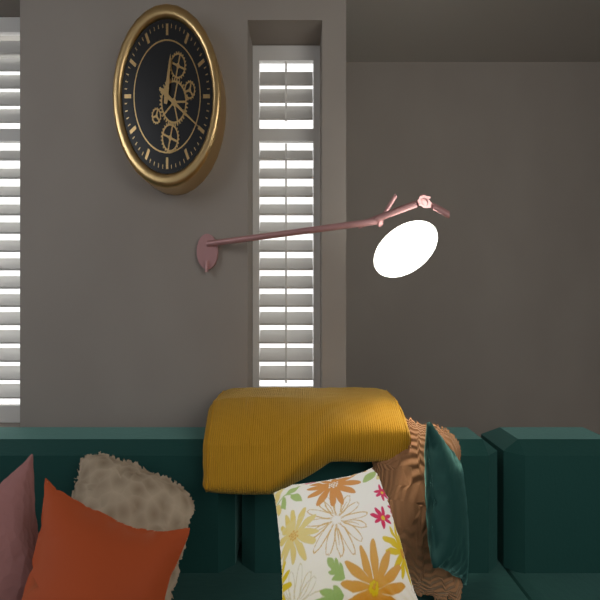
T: 12.20
